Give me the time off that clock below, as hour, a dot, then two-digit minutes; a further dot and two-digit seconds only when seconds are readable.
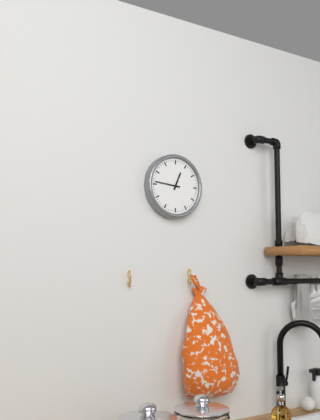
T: 12.46
